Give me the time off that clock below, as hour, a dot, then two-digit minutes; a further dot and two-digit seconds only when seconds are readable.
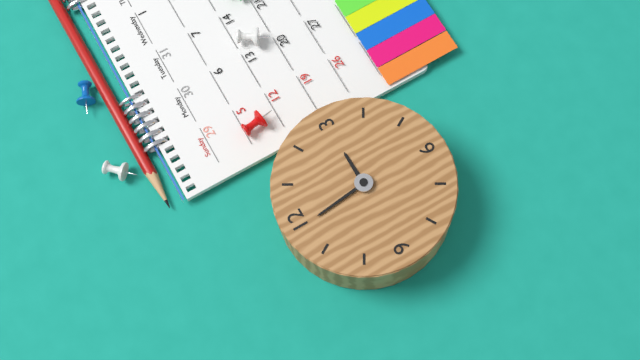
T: 2.59
